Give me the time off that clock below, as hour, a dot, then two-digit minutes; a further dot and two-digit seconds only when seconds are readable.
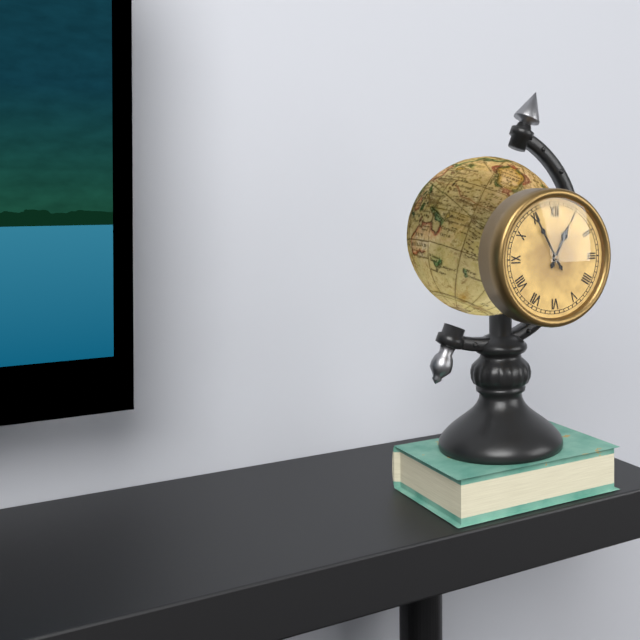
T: 12.55
